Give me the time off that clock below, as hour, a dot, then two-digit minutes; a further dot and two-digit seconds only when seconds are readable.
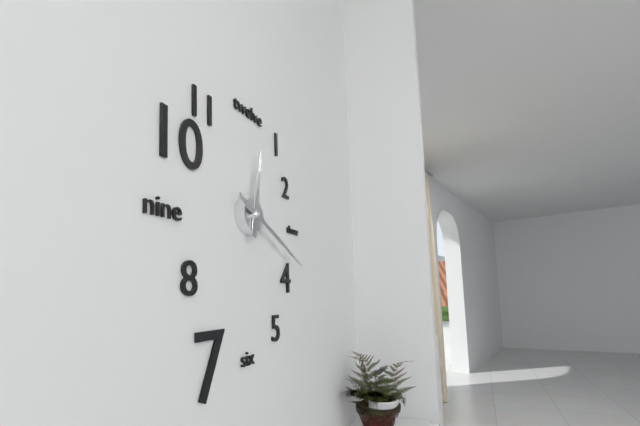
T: 12.19
